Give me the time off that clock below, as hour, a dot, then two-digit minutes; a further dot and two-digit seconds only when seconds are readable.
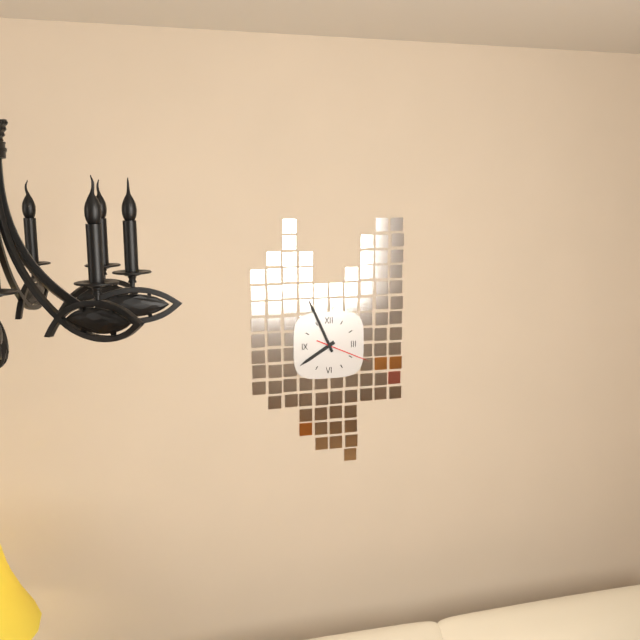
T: 7.56.19
